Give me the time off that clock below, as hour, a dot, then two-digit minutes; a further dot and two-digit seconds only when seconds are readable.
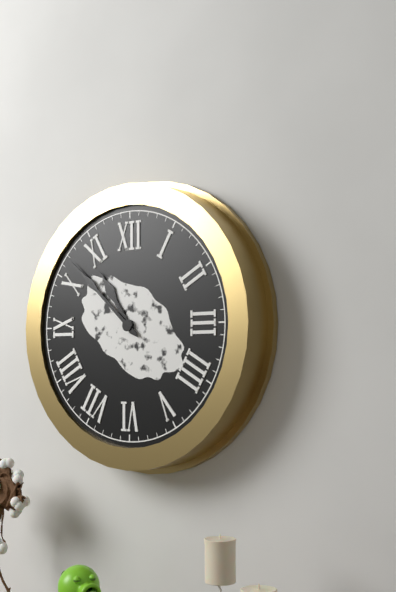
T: 10.52
